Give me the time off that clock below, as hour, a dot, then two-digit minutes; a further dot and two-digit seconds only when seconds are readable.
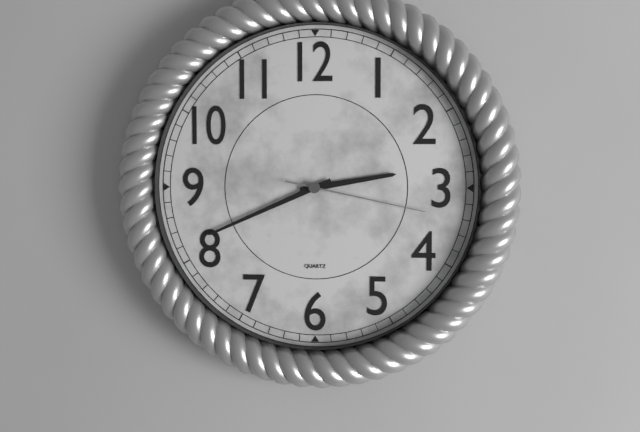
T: 2.41.17
